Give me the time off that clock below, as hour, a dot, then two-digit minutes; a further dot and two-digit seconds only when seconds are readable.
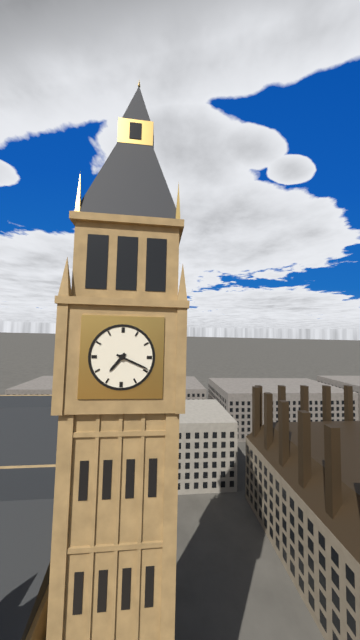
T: 7.19
